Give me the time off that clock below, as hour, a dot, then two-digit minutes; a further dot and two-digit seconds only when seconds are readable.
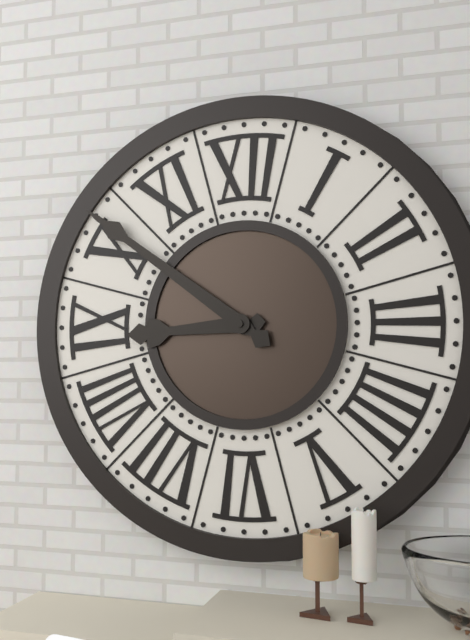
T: 8.51
